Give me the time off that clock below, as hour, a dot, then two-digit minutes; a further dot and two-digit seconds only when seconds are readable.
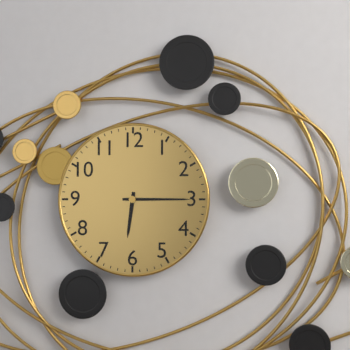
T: 6.15
